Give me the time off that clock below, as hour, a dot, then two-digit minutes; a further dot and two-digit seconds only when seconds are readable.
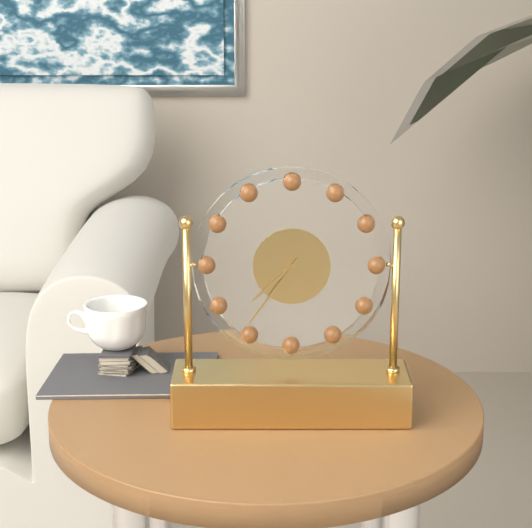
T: 7.36
